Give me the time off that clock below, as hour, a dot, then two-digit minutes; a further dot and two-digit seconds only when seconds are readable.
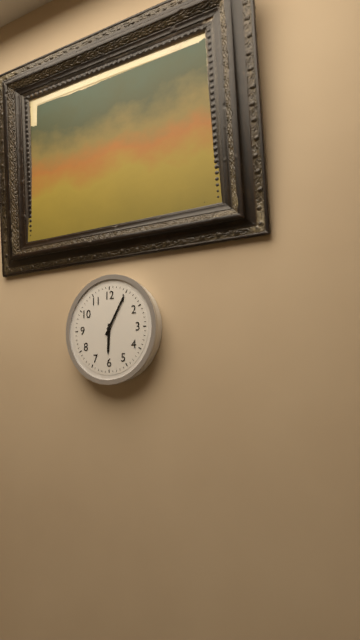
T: 6.05
